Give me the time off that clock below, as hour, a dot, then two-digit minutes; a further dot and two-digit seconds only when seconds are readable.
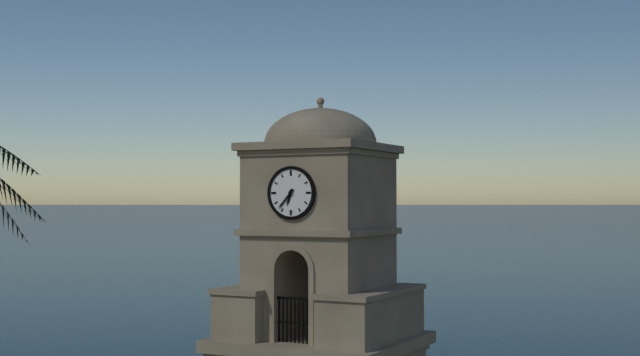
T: 6.37
